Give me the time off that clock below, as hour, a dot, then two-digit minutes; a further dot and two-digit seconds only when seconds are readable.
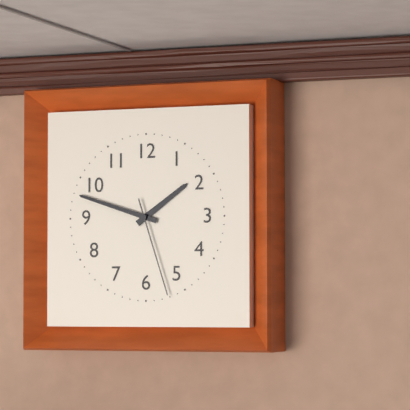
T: 1.48.27
